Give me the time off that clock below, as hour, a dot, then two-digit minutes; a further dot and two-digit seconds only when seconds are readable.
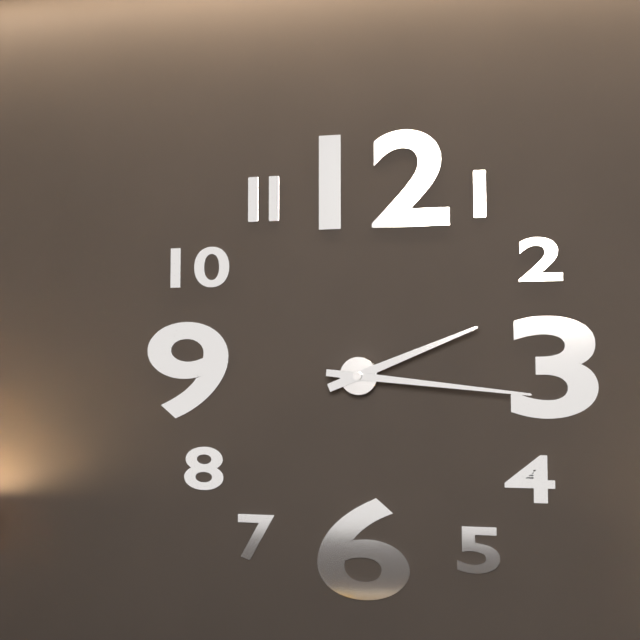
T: 2.16
